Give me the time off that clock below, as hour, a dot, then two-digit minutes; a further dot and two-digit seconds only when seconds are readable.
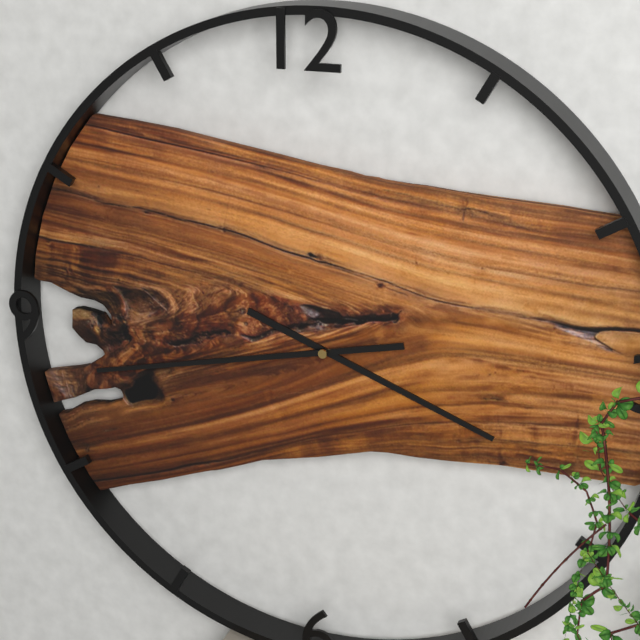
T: 3.43
